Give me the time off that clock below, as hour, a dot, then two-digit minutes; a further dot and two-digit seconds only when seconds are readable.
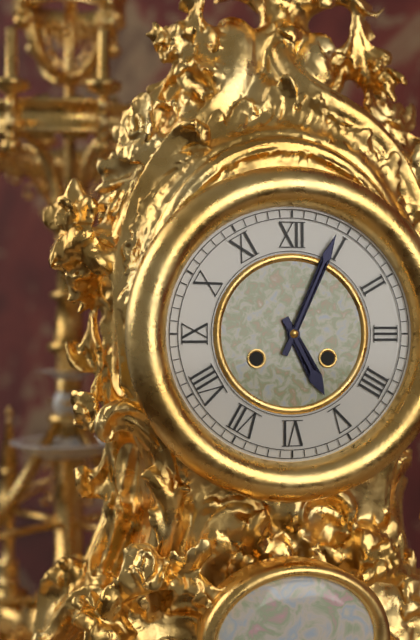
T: 5.04
